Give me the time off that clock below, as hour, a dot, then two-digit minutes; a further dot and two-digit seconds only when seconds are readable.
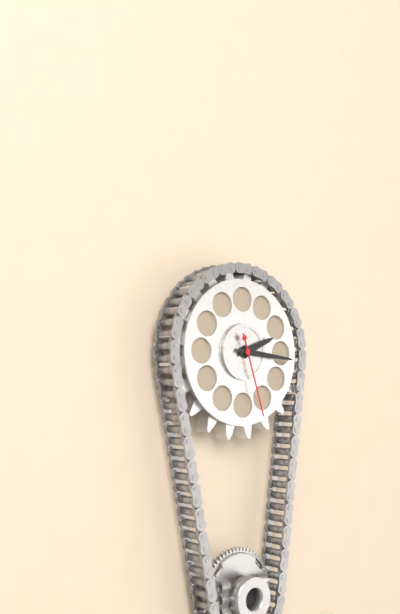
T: 2.16.27
